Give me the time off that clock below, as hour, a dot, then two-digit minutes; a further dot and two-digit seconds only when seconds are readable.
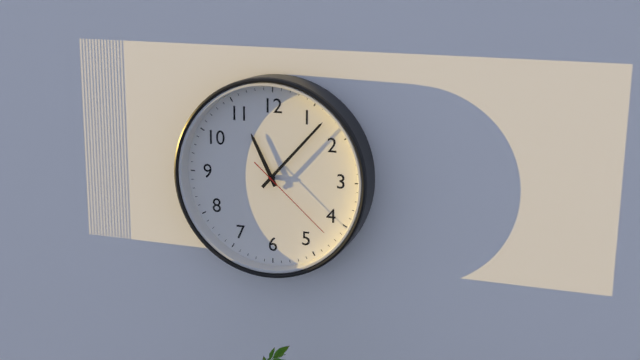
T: 11.07.22
